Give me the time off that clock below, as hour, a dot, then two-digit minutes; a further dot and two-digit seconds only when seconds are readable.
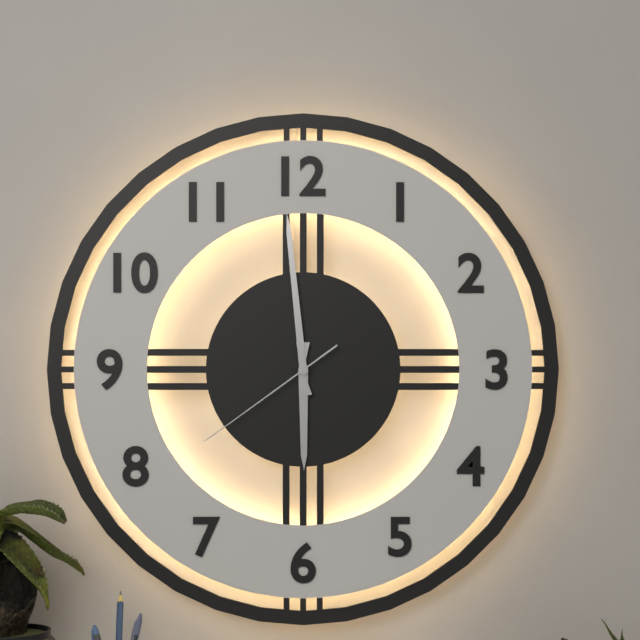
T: 5.59.39
